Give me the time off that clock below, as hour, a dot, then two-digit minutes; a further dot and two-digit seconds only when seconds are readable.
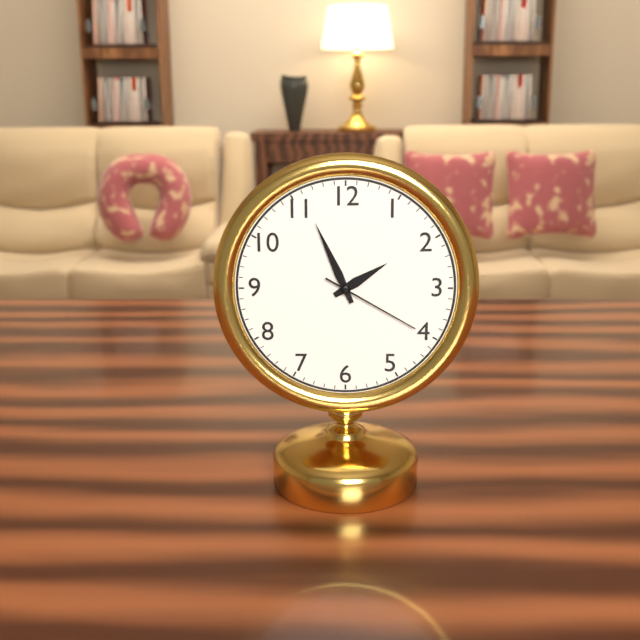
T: 1.56.20
